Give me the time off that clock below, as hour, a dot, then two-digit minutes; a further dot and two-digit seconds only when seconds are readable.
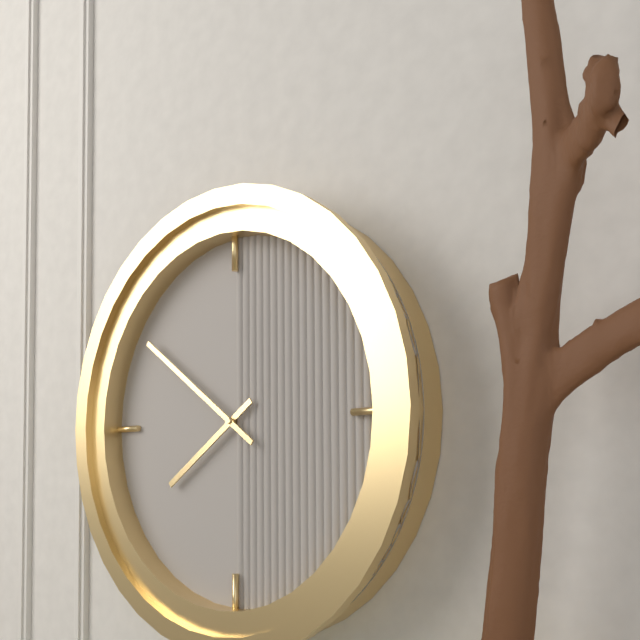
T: 7.51
